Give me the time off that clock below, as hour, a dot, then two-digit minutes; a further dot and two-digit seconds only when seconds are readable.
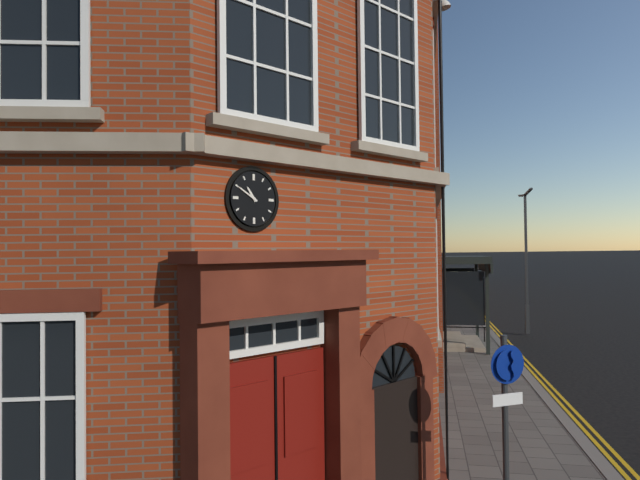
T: 10.50
